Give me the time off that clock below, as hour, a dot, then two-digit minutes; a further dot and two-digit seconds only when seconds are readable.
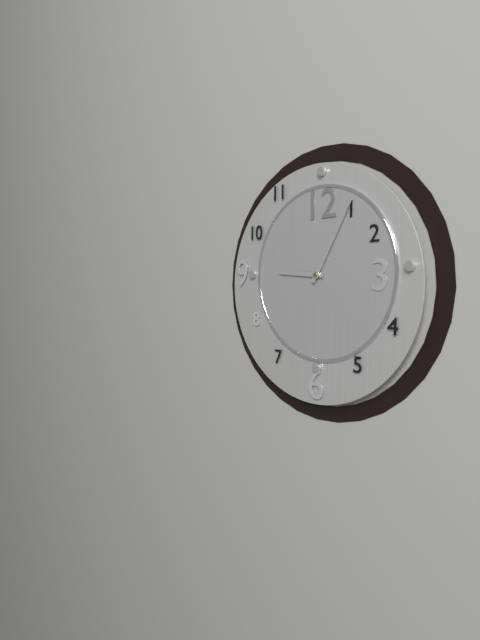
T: 9.05
